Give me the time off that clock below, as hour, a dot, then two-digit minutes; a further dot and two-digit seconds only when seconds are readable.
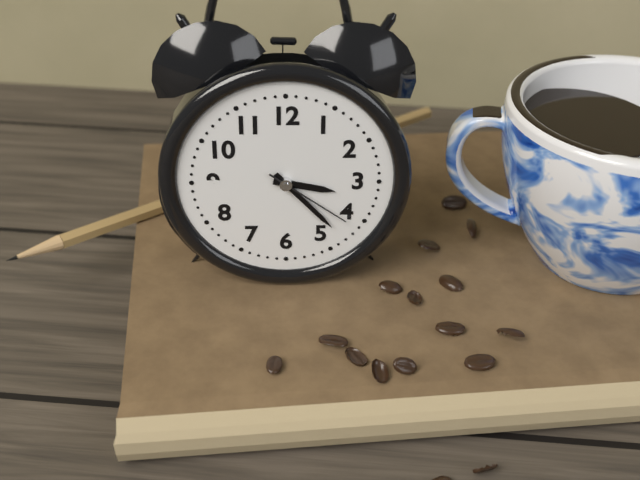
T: 3.23.21
